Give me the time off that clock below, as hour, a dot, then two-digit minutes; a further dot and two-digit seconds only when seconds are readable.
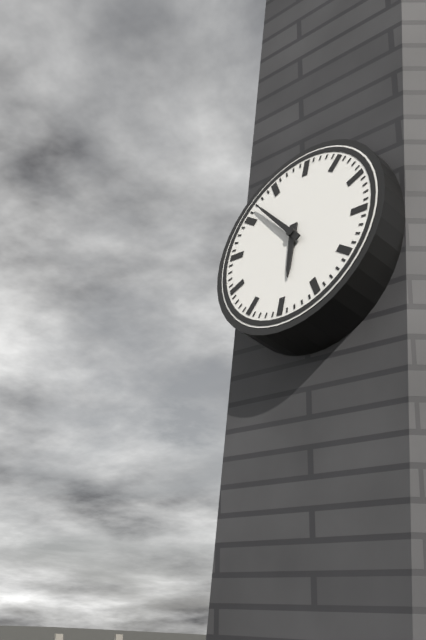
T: 5.52
